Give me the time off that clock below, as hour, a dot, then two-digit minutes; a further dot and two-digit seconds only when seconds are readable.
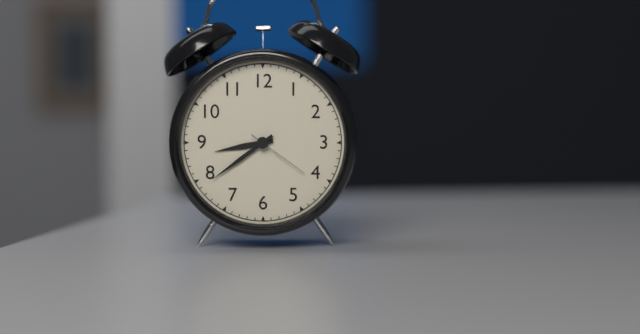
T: 8.39.21
